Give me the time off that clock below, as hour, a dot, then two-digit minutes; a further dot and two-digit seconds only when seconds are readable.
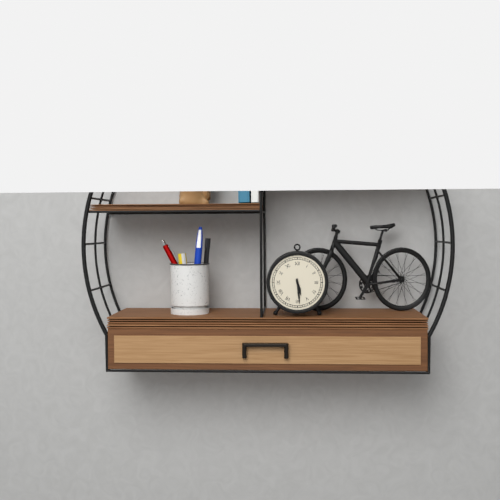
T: 5.29
